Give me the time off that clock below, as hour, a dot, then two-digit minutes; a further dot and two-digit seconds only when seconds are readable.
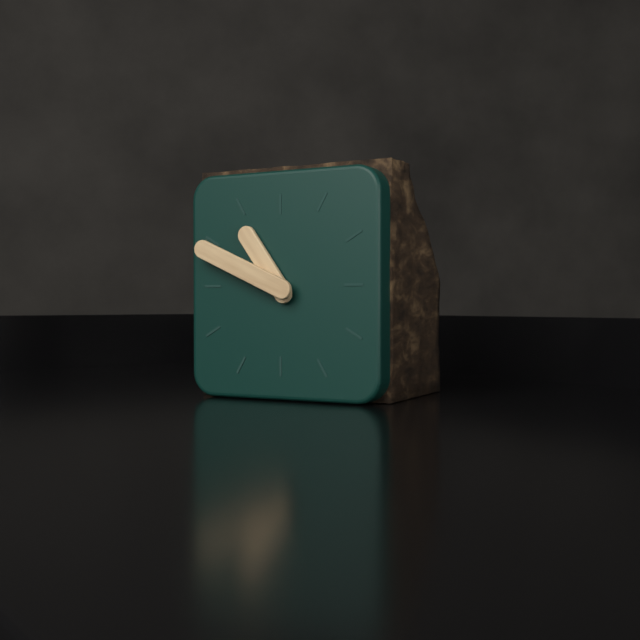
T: 10.49
